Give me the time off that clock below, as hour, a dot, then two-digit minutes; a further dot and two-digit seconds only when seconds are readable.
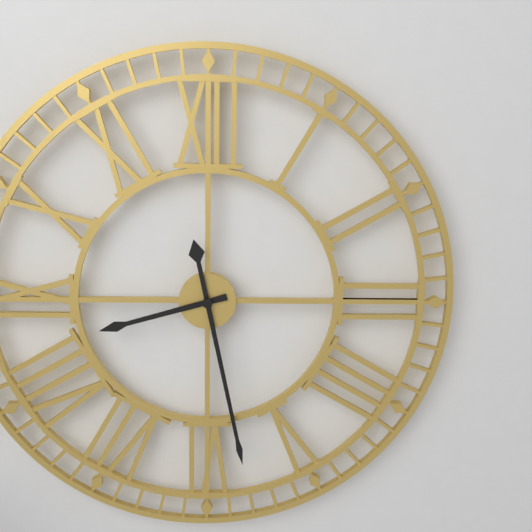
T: 8.28
